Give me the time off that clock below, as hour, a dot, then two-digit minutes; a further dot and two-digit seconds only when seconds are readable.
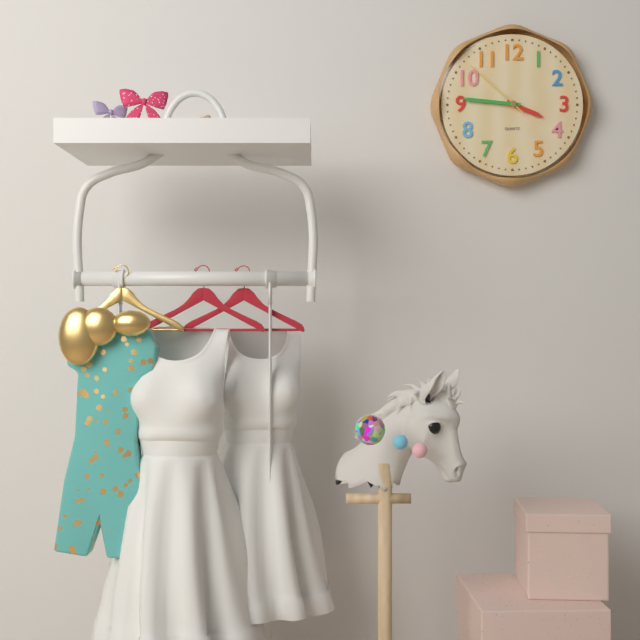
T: 3.46.52
